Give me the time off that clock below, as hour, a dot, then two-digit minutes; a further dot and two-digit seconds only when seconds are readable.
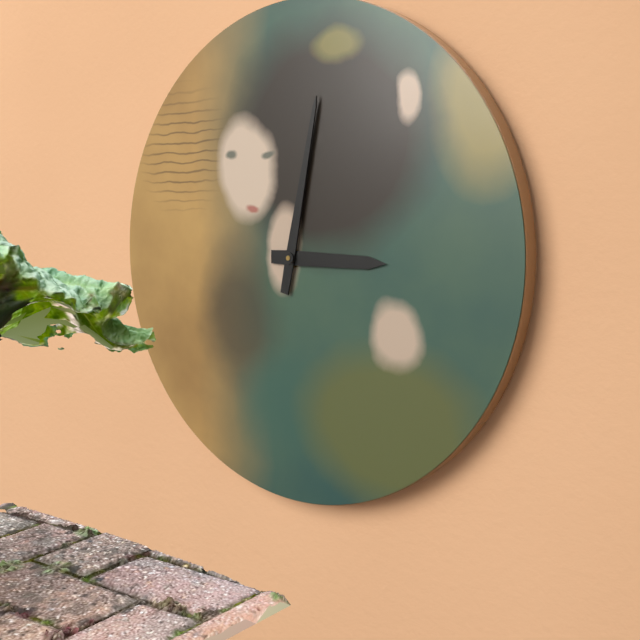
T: 3.02
